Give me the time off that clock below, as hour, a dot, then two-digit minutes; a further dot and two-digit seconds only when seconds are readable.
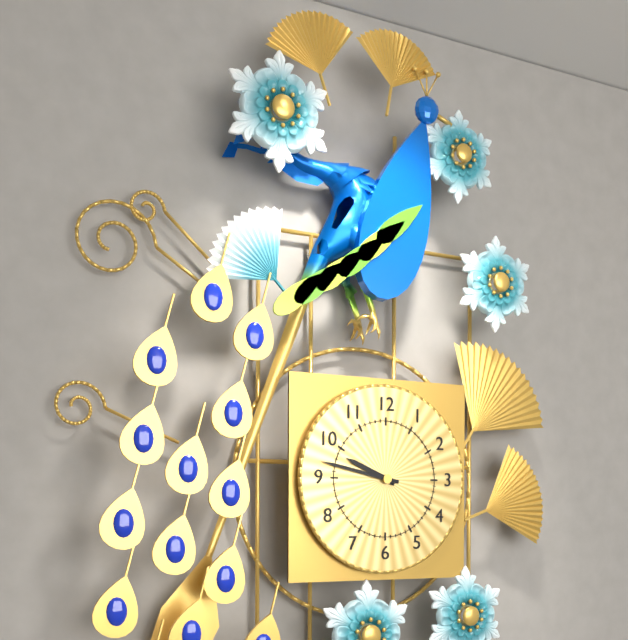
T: 9.47
